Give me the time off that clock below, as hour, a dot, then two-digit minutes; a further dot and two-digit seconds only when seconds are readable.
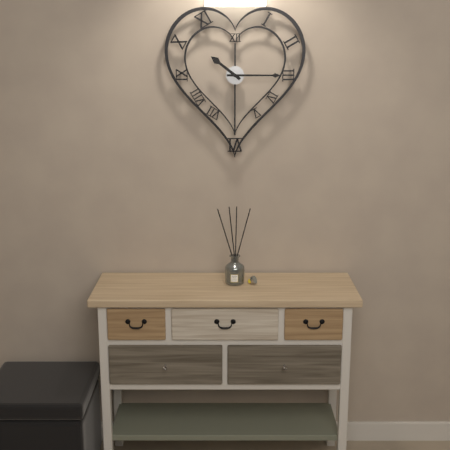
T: 10.15
